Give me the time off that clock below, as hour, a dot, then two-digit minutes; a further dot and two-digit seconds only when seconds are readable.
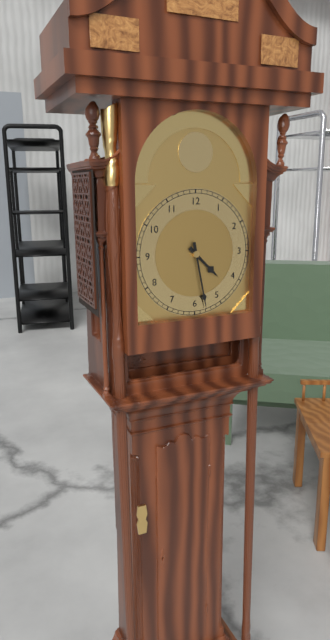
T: 4.28
